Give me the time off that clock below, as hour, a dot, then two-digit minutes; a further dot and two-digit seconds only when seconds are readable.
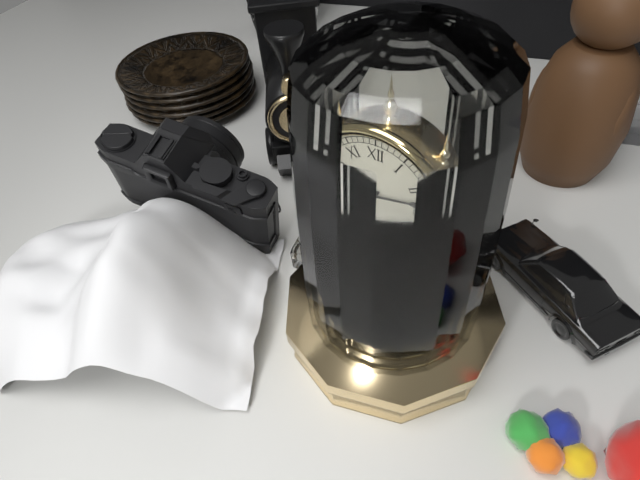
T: 7.13
